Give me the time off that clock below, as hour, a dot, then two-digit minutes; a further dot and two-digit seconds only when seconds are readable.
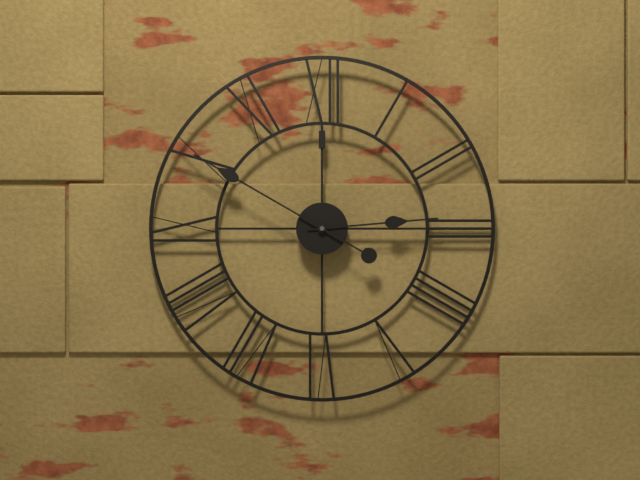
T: 2.50
